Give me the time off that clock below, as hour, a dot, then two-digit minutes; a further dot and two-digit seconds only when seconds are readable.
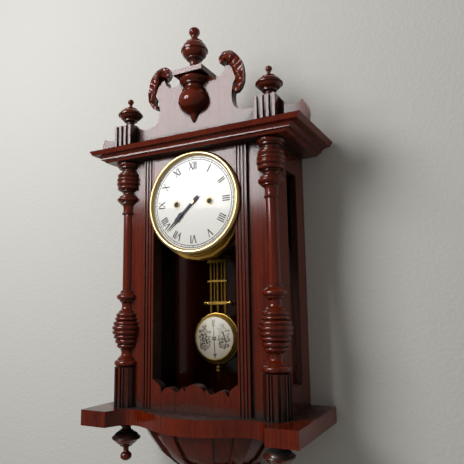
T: 7.38
